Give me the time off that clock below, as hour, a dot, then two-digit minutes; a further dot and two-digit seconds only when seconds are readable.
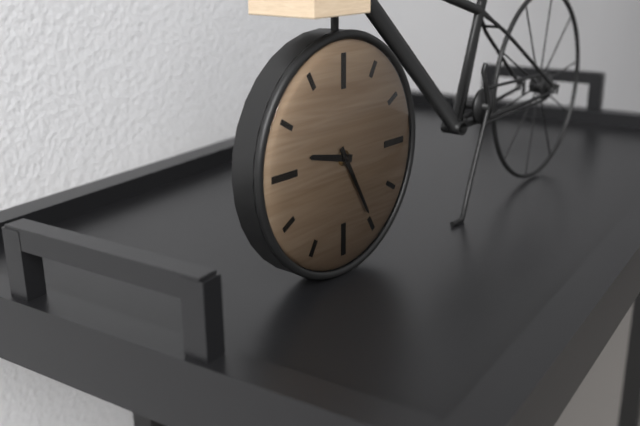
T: 9.25
